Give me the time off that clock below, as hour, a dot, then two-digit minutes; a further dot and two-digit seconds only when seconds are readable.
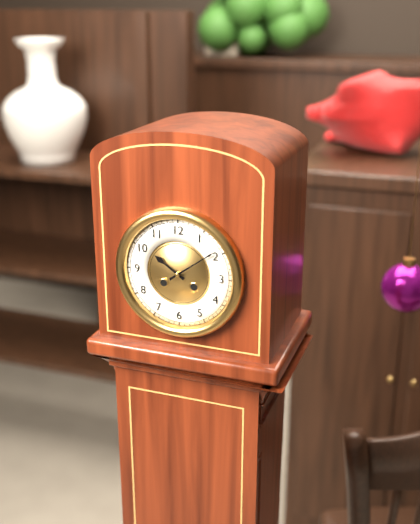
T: 10.09
